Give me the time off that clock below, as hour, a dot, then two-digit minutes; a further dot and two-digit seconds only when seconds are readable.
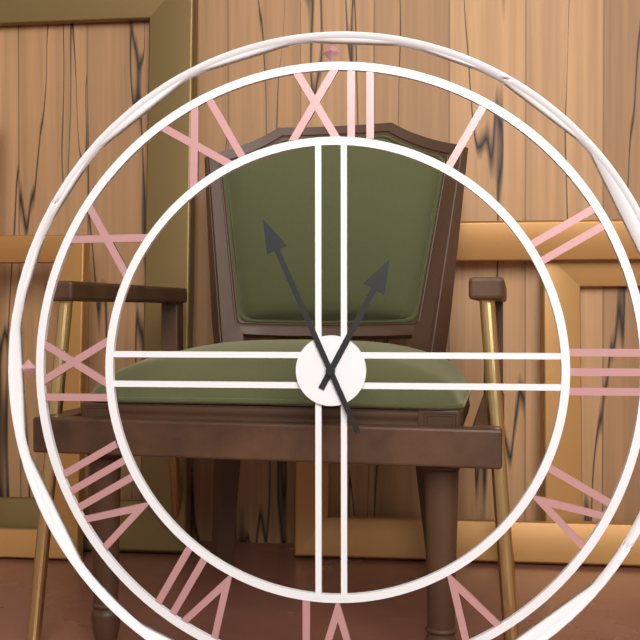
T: 12.56
